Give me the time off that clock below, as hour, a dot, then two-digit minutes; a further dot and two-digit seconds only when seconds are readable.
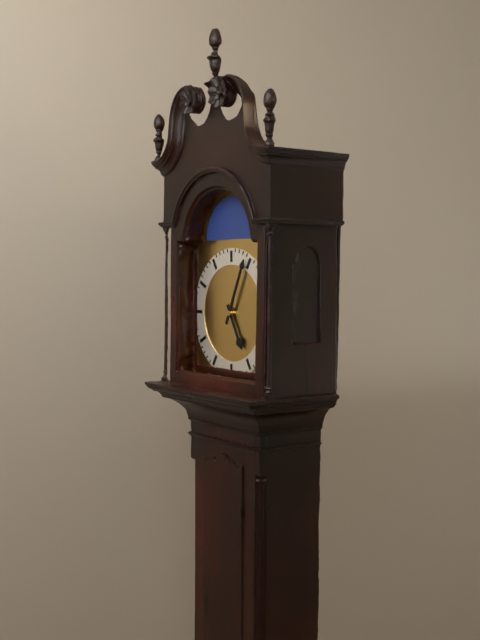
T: 5.04
